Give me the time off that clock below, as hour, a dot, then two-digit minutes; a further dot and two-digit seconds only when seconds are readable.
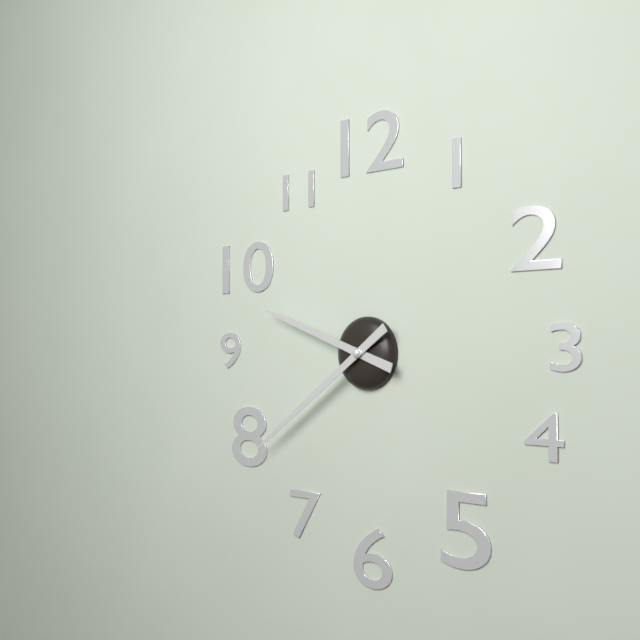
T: 9.39
